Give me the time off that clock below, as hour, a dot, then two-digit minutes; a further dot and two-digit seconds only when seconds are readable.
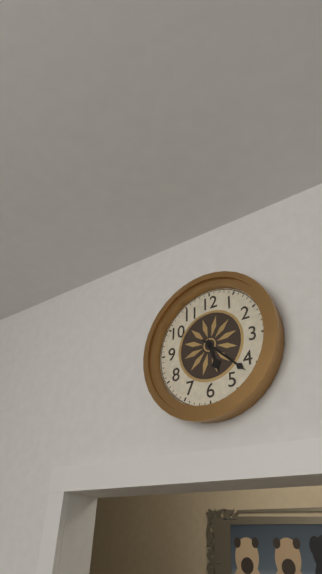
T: 5.22
